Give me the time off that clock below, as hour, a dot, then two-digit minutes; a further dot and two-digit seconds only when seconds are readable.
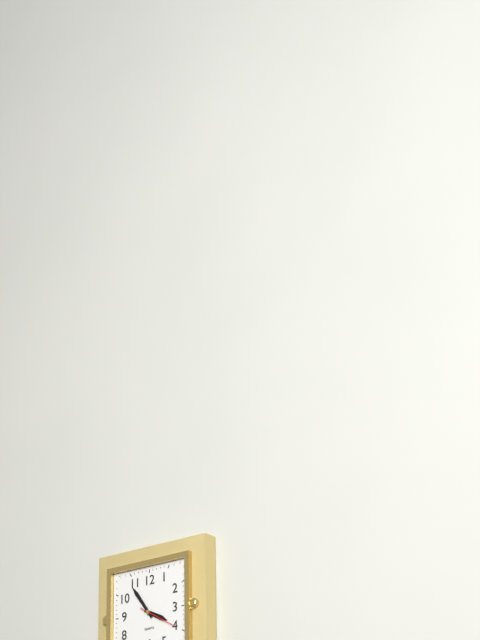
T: 3.54
